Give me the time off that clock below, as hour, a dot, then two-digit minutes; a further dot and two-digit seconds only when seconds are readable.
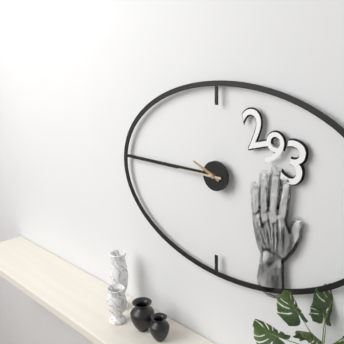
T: 9.45
